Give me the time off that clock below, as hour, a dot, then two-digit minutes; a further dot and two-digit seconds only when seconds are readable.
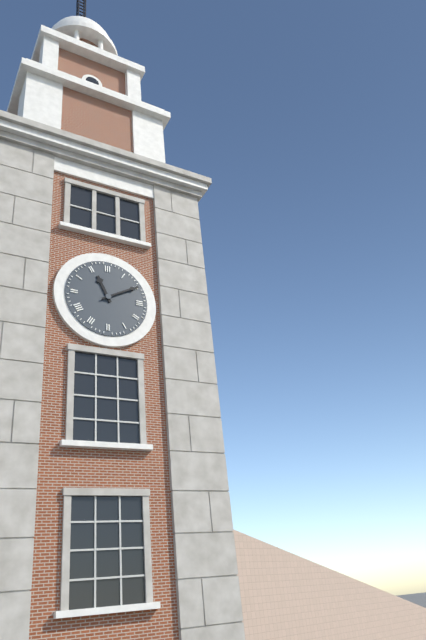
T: 11.10
